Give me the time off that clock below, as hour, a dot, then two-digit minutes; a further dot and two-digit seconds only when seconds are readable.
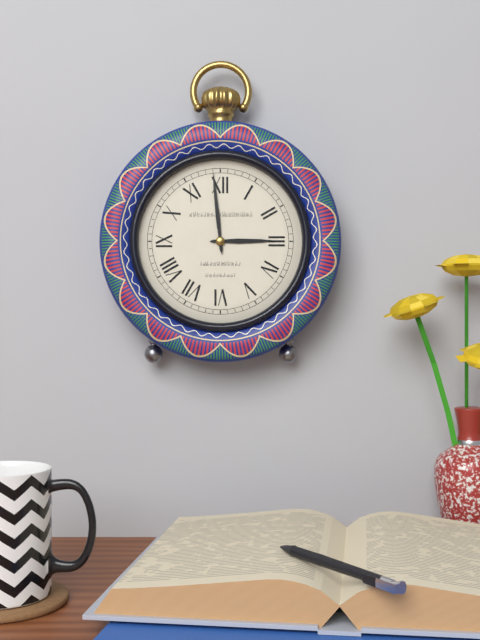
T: 2.59
